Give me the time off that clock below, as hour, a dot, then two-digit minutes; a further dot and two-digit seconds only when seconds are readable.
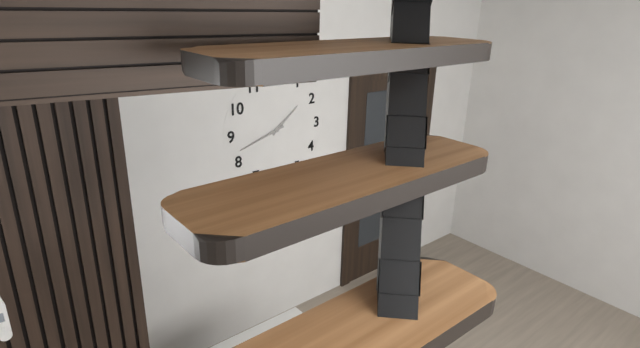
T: 1.42
